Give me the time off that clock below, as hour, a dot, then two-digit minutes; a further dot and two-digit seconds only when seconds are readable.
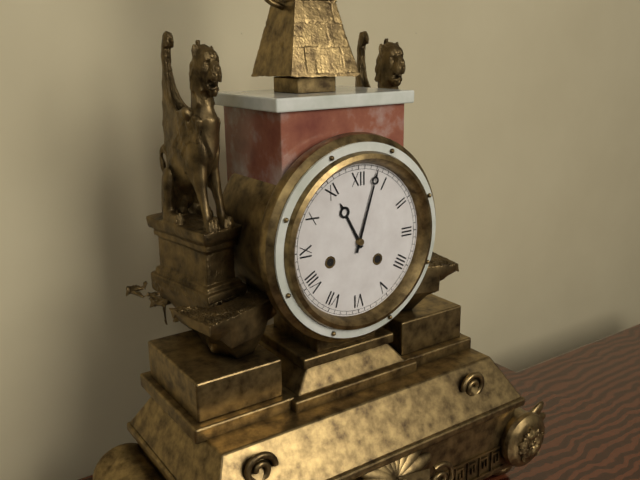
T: 11.03
